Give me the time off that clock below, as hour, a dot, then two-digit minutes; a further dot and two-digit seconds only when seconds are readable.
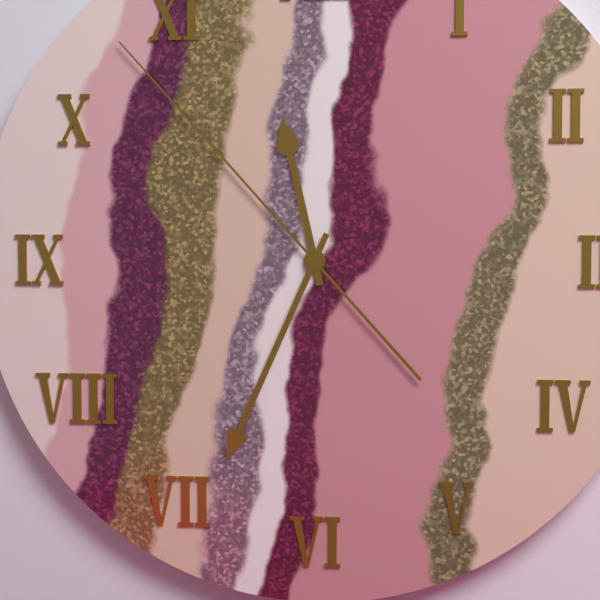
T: 11.34.53
